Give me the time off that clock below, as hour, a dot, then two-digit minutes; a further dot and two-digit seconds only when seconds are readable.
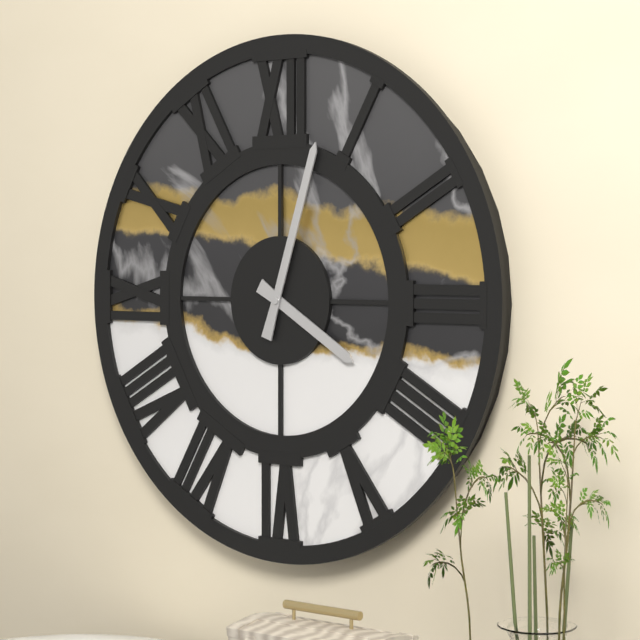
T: 4.03
